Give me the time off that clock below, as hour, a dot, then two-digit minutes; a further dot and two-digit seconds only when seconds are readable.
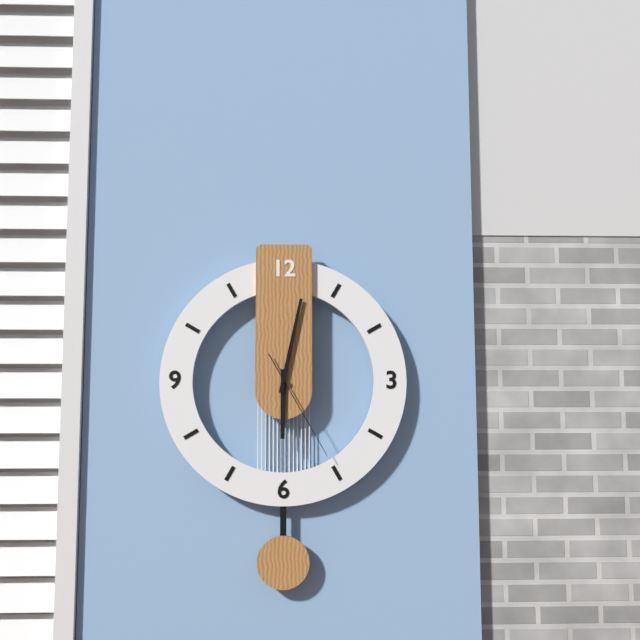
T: 6.02.25
